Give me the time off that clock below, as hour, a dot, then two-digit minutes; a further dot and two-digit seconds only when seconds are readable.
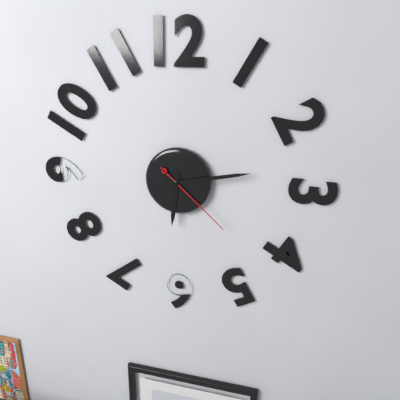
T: 6.13.22
